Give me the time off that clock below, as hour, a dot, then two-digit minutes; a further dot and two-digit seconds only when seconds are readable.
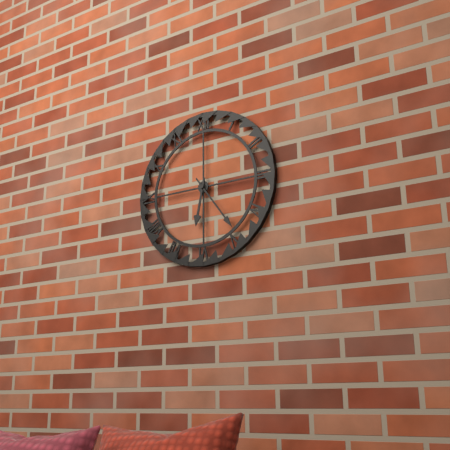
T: 6.24
